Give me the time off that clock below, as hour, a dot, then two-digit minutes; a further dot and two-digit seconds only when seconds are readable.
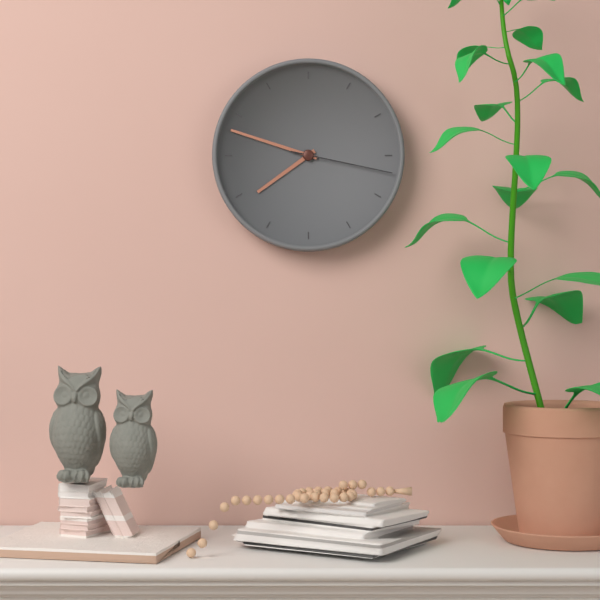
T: 7.48.17
